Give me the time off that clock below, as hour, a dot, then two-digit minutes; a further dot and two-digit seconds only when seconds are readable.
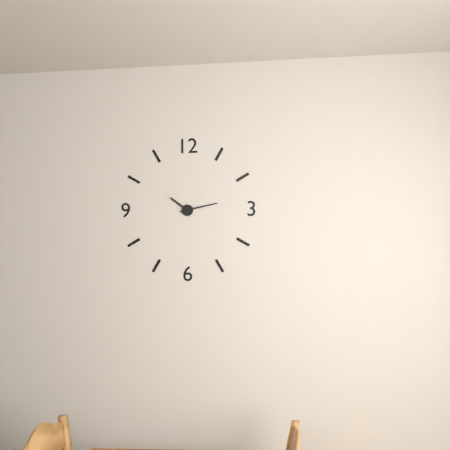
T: 10.13
